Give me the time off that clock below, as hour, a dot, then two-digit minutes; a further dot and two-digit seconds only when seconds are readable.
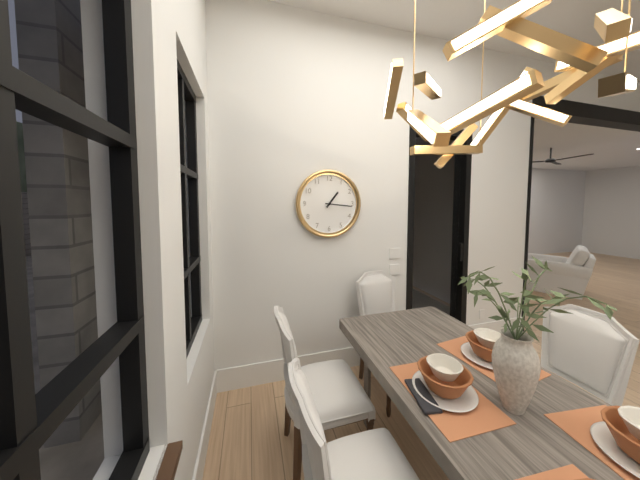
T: 1.16
